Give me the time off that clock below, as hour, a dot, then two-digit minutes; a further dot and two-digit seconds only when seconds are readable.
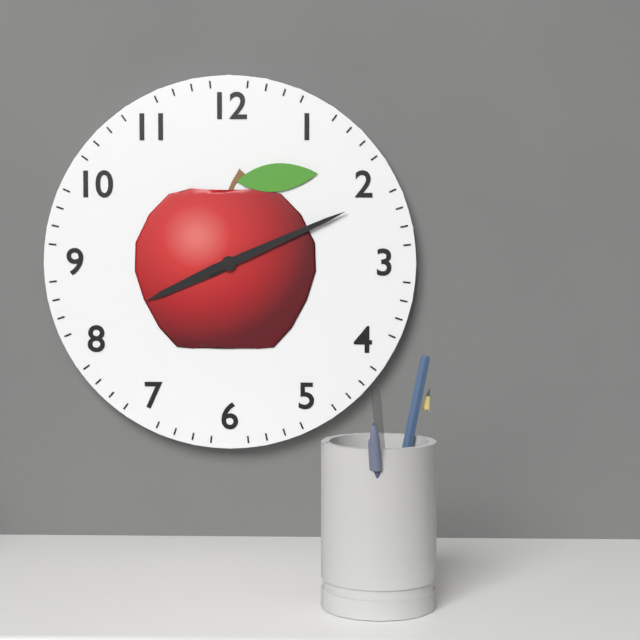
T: 8.11
